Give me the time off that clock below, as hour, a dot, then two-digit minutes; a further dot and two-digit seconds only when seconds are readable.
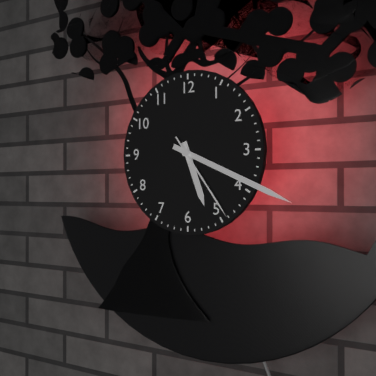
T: 5.19.24
